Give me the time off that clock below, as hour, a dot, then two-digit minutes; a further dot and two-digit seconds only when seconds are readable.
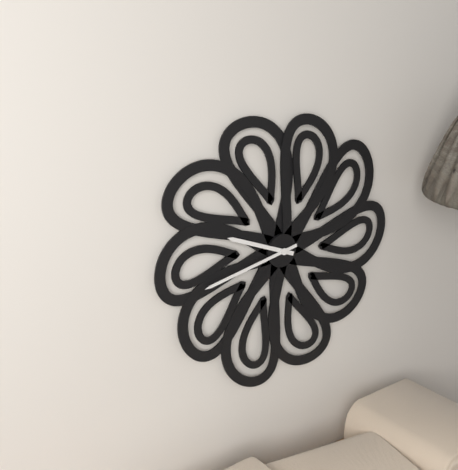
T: 9.43
